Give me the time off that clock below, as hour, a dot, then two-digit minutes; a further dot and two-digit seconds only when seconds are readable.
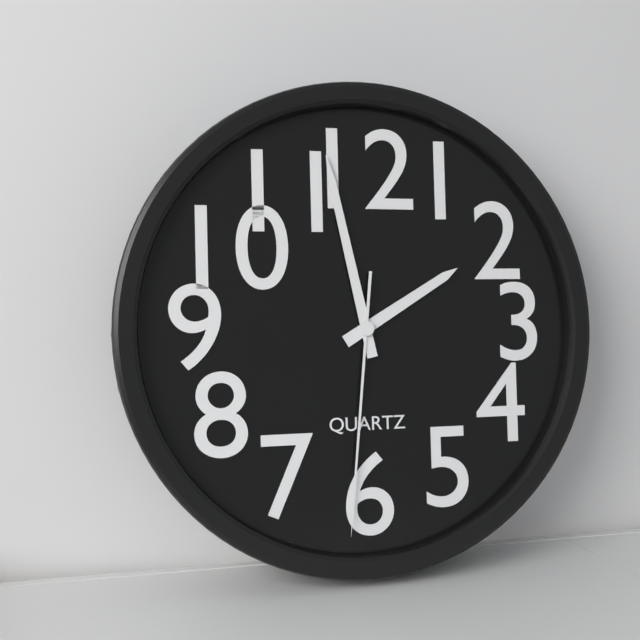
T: 1.58.31
